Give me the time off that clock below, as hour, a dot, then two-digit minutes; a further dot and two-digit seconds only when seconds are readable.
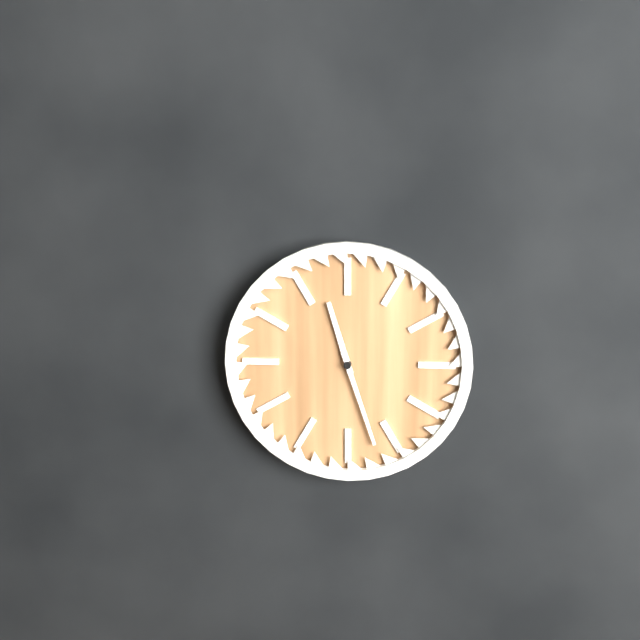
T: 11.27
